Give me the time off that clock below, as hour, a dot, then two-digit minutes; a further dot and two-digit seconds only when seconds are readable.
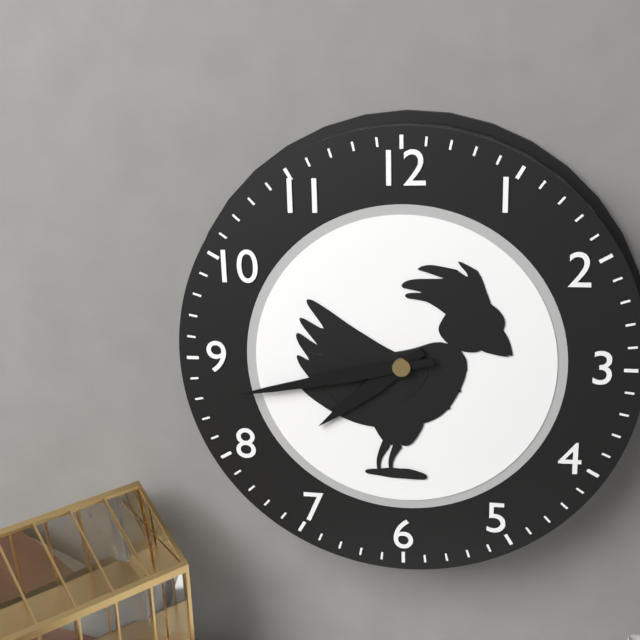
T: 7.43
